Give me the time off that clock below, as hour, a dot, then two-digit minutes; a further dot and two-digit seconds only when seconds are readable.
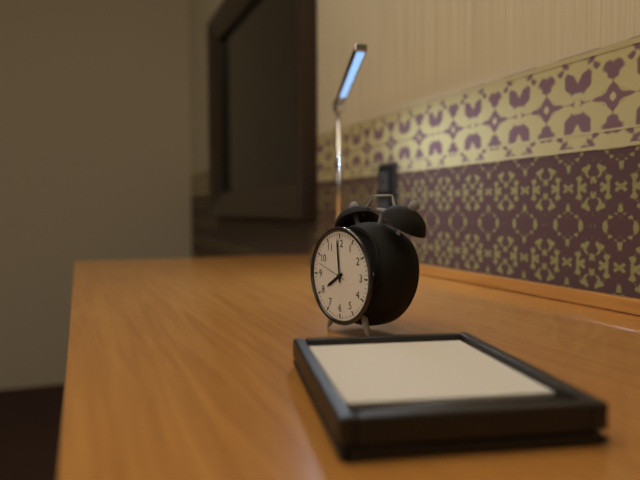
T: 7.59
